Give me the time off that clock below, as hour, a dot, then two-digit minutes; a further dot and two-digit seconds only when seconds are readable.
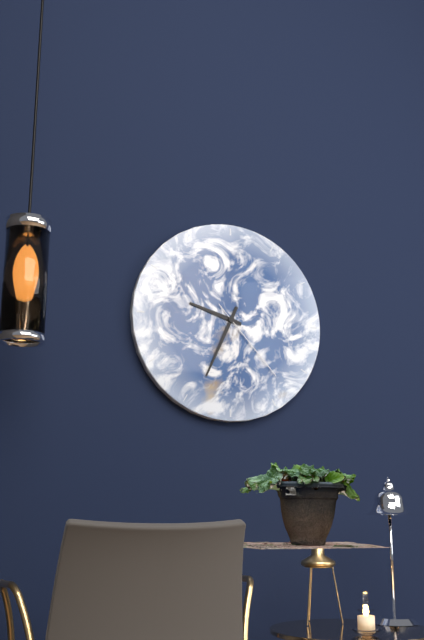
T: 9.34.23
